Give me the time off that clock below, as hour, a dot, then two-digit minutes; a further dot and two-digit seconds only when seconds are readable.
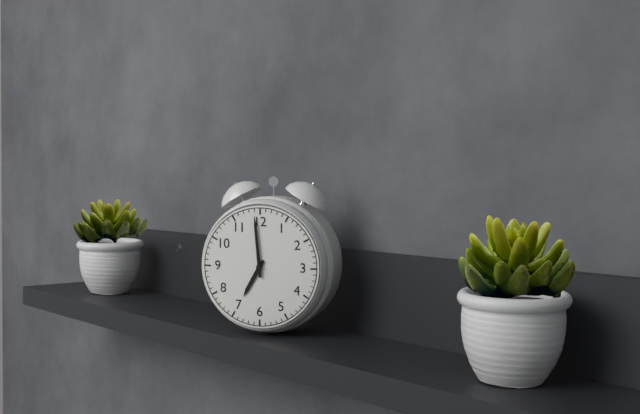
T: 6.59
